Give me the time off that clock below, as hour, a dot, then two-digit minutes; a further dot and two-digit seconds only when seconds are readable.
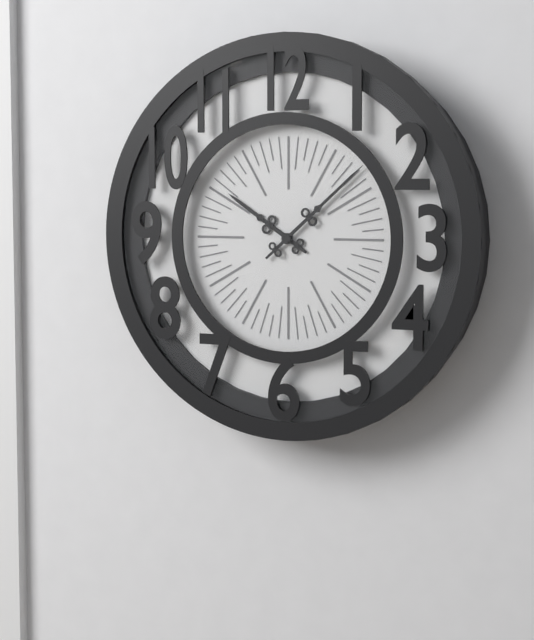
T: 10.08
